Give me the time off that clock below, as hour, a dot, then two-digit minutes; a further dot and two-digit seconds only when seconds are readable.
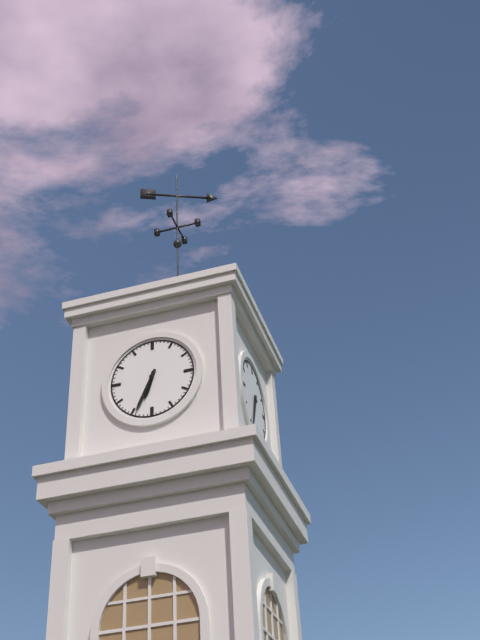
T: 6.34
